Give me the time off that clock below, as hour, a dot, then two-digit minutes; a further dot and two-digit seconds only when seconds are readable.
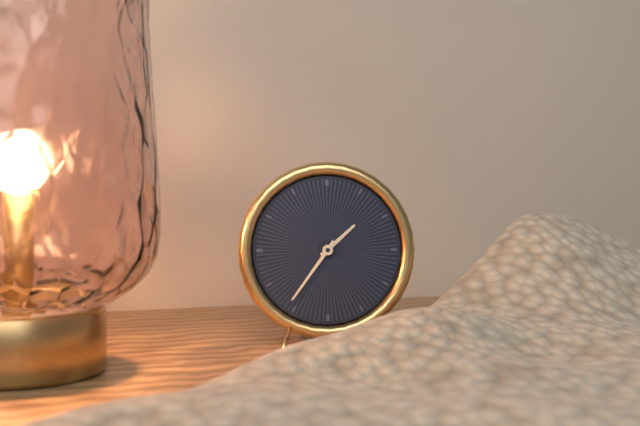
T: 1.36
